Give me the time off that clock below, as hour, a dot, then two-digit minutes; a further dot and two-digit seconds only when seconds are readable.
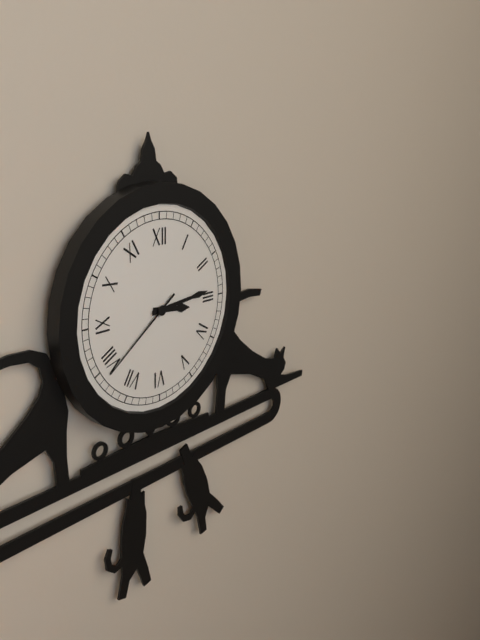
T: 3.14.39
